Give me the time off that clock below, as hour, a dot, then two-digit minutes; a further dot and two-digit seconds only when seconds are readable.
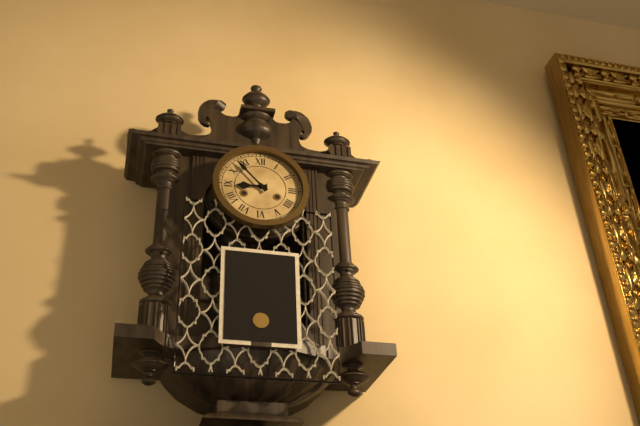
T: 8.53
